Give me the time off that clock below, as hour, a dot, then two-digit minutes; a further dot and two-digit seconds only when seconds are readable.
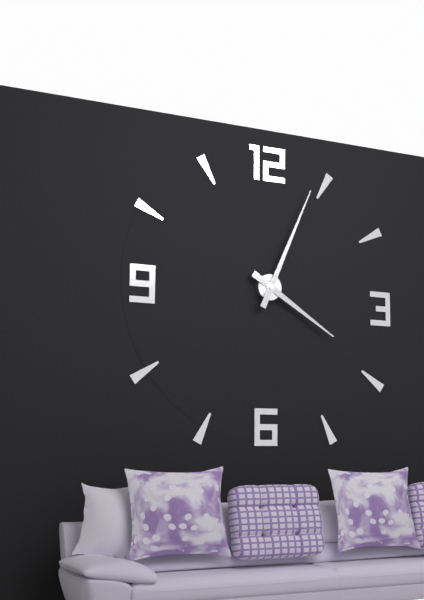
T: 4.04
